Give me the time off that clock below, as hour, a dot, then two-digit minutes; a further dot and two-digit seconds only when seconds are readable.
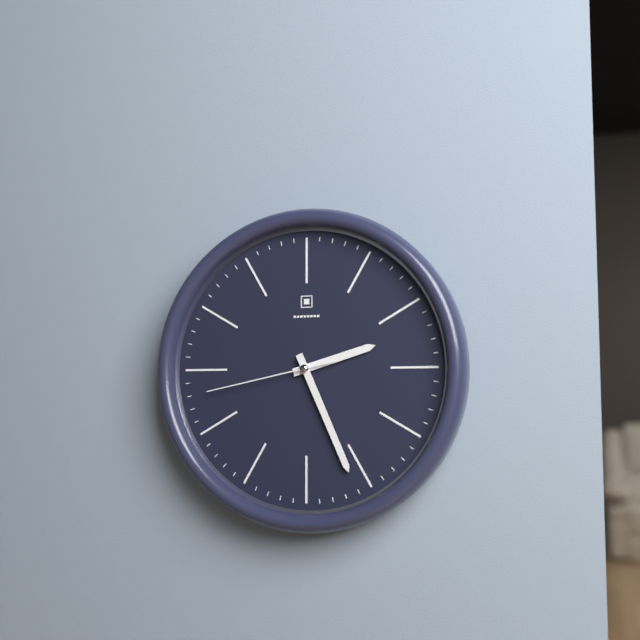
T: 2.26.43
